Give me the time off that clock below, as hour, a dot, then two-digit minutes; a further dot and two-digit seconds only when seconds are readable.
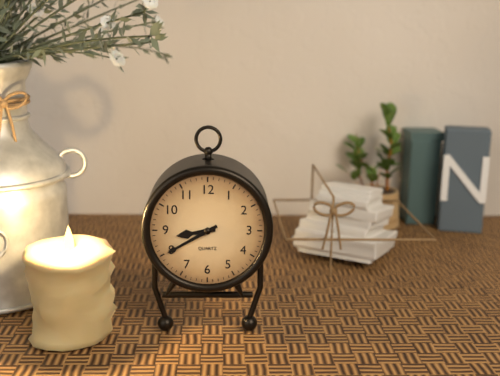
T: 8.40
